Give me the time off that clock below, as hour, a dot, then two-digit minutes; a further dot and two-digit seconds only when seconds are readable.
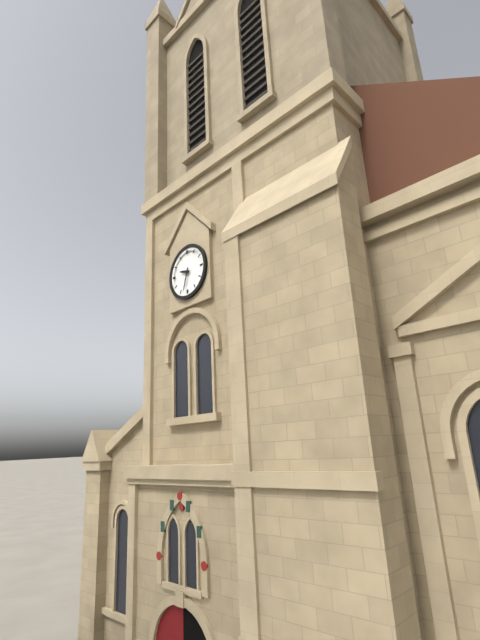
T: 9.33
